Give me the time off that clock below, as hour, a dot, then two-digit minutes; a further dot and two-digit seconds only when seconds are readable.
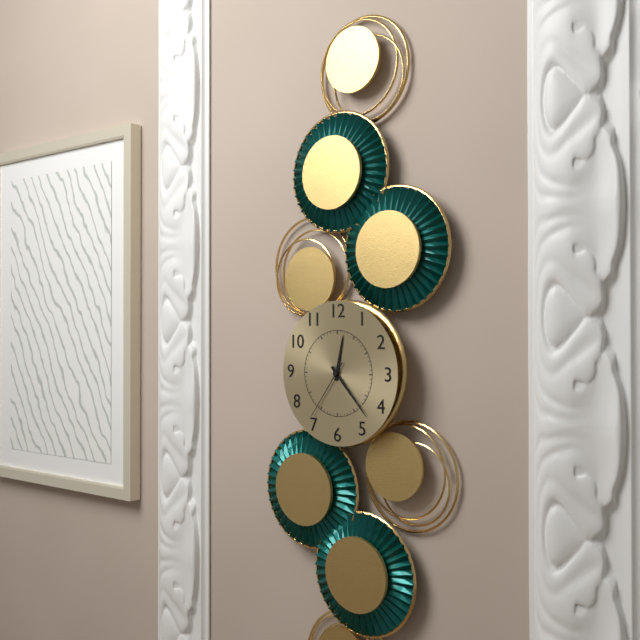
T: 12.23.36
